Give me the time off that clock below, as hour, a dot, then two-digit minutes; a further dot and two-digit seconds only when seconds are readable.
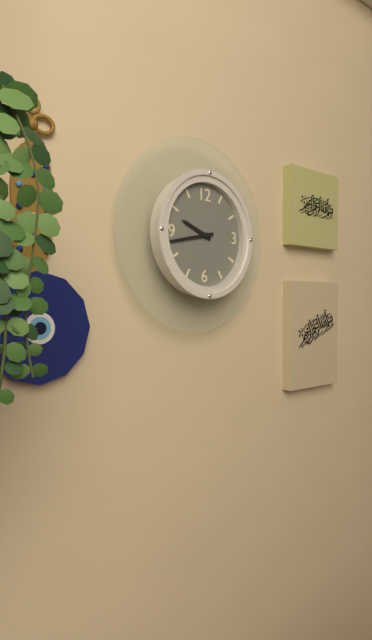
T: 9.43
